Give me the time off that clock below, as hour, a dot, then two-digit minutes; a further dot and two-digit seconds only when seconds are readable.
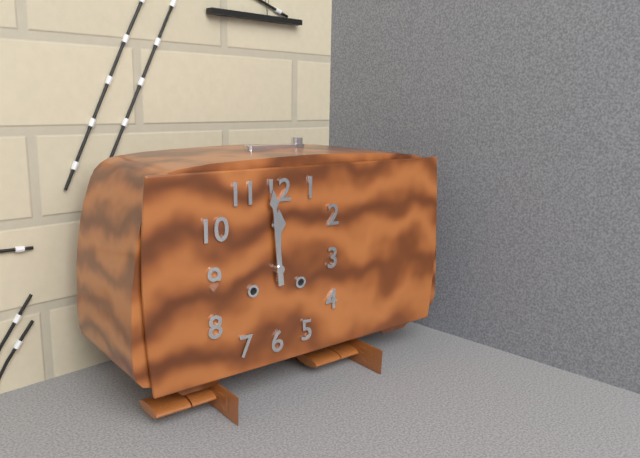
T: 11.59
